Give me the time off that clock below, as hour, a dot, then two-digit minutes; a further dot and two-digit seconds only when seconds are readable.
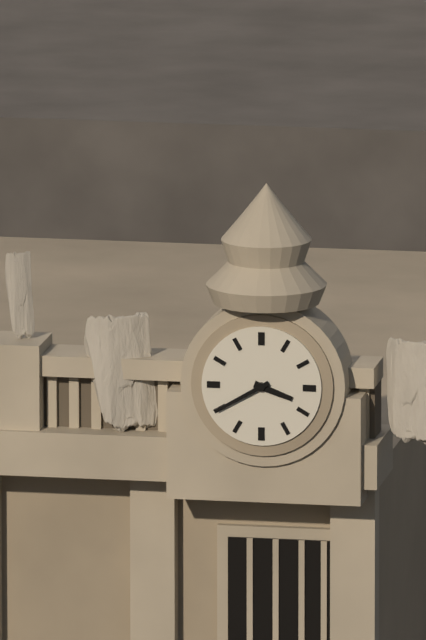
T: 3.40
